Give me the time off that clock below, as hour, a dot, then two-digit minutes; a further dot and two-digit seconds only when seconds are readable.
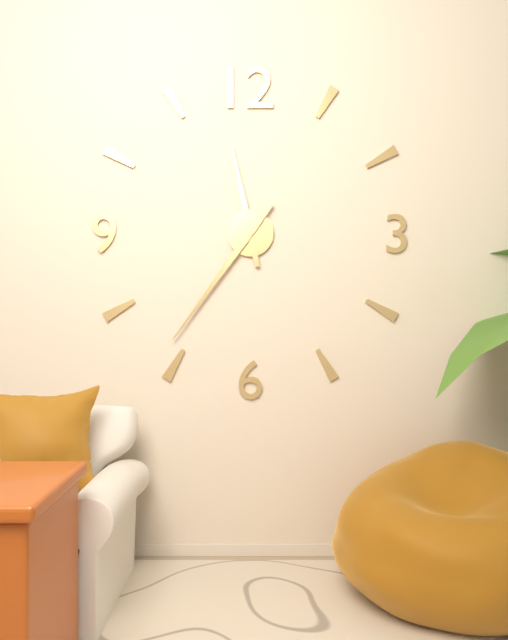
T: 11.36
